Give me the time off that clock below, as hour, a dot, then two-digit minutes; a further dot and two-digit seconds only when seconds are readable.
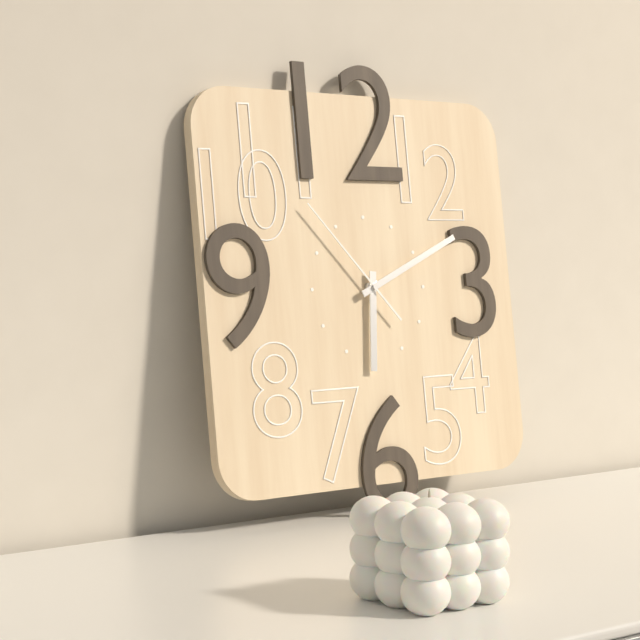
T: 6.11.53
